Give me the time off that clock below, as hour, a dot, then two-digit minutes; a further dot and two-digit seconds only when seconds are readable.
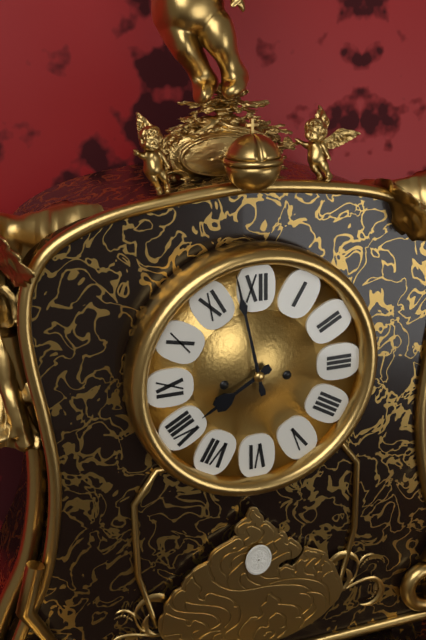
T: 7.58
